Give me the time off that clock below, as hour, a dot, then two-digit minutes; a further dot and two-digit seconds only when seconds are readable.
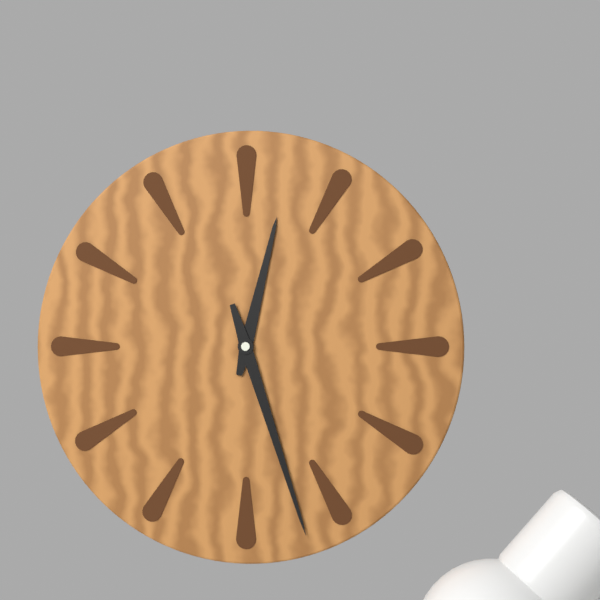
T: 12.27
